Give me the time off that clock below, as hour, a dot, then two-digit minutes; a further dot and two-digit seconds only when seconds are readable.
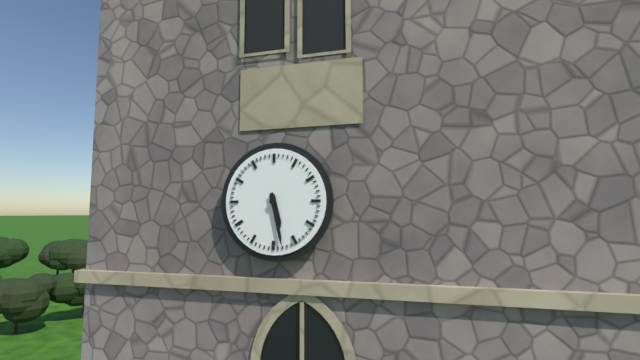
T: 5.28
